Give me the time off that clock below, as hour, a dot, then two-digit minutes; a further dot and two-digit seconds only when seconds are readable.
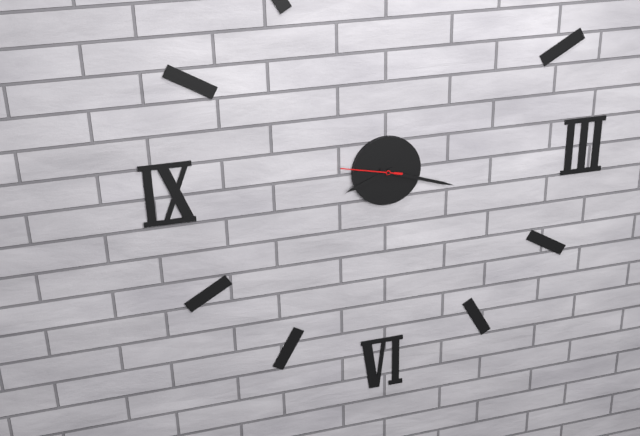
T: 8.18.47
